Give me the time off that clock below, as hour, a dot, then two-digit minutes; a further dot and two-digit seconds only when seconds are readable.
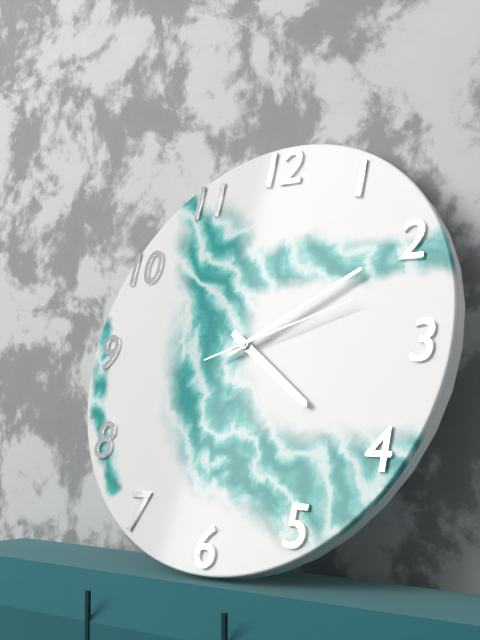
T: 4.10.12
